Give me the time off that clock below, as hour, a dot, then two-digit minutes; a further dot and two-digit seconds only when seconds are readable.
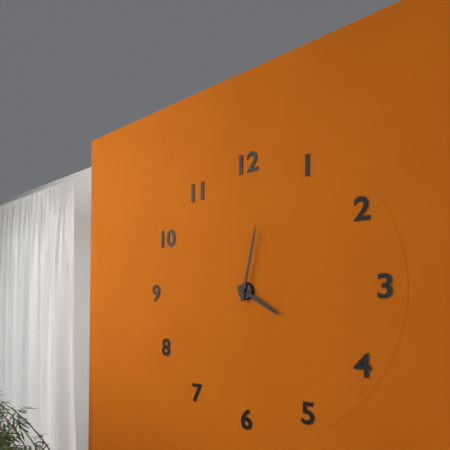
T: 4.02
